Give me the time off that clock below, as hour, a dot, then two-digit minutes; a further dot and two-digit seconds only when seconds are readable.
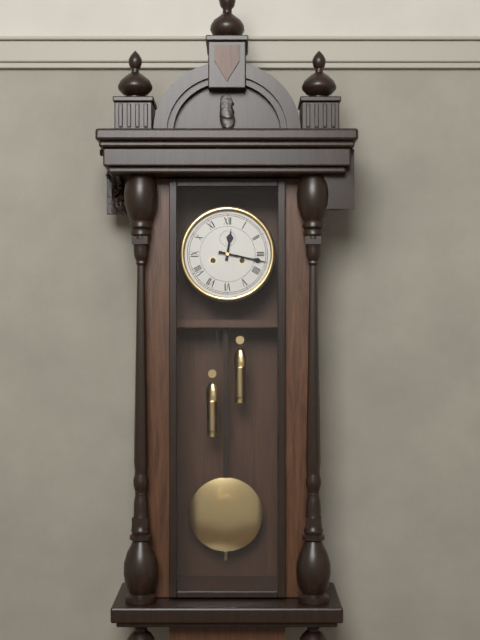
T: 12.17
